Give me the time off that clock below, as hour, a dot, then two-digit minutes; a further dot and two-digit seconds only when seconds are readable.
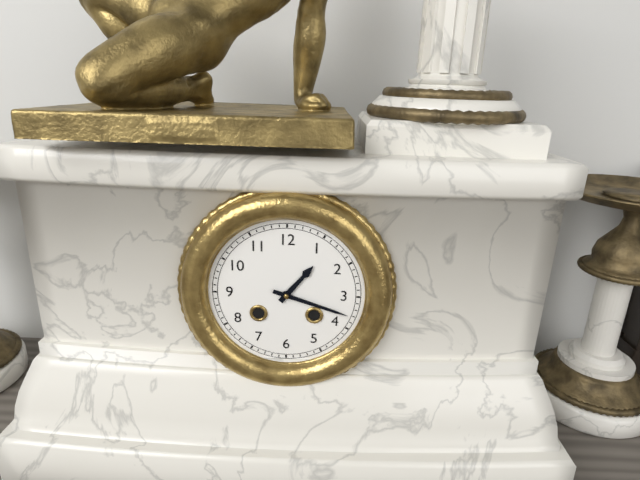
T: 1.18
